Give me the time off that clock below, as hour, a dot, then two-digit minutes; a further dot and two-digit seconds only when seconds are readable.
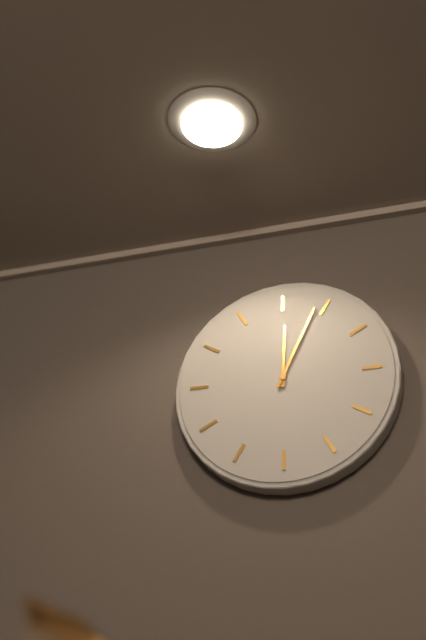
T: 12.04
